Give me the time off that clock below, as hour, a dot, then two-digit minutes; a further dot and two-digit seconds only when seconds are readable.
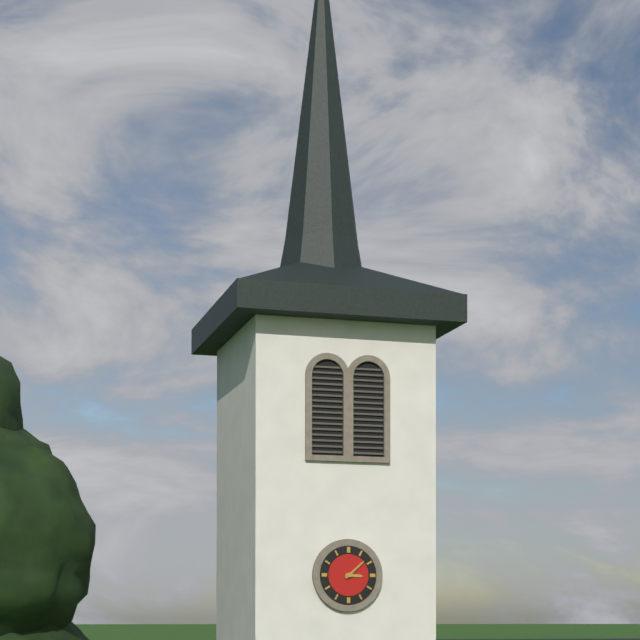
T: 3.08
